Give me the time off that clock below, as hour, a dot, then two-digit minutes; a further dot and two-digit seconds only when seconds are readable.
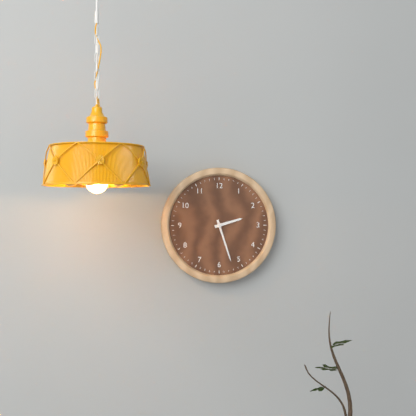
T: 2.27
